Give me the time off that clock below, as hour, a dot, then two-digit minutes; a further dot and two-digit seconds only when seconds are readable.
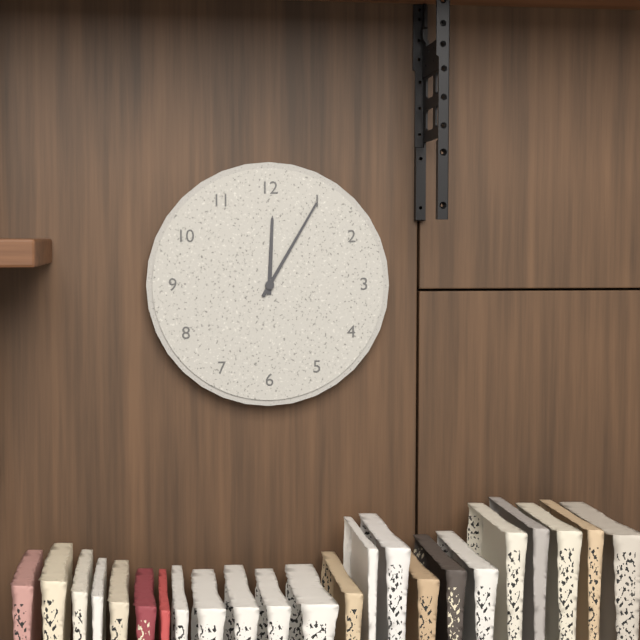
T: 12.05
